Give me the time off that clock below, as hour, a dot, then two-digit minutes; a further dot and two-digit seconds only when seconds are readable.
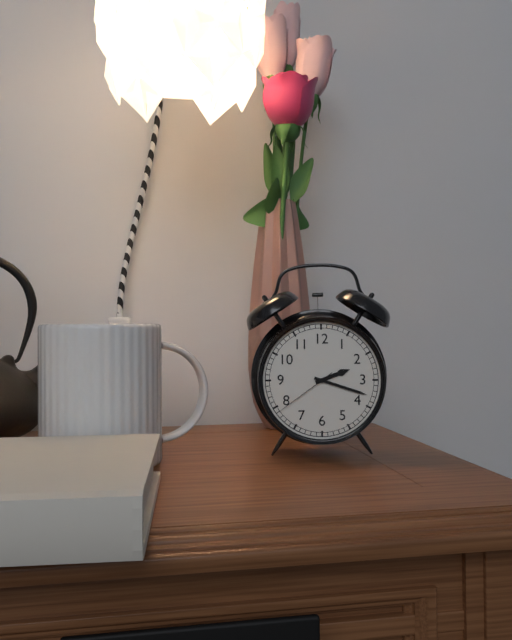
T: 2.18.39
